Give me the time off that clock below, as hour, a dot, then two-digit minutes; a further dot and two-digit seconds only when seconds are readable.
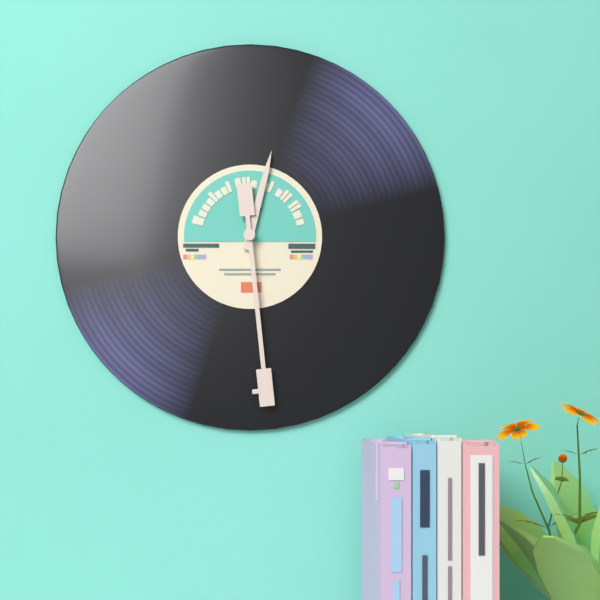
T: 12.29
